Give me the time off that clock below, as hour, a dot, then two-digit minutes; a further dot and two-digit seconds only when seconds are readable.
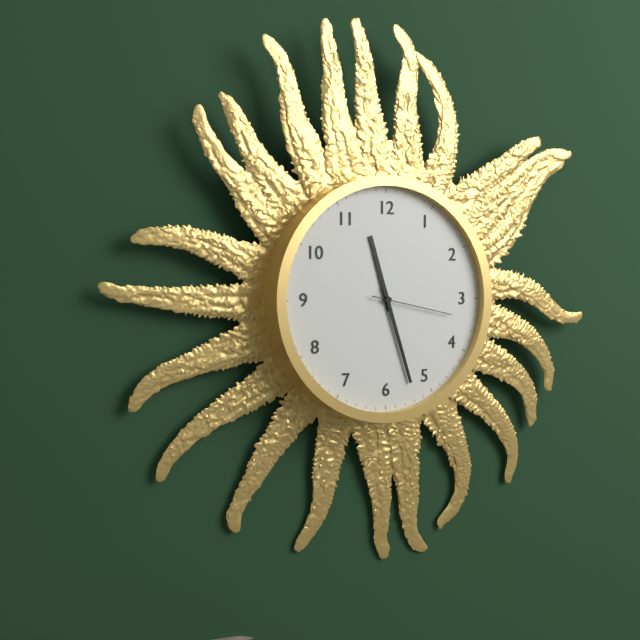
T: 11.27.17
